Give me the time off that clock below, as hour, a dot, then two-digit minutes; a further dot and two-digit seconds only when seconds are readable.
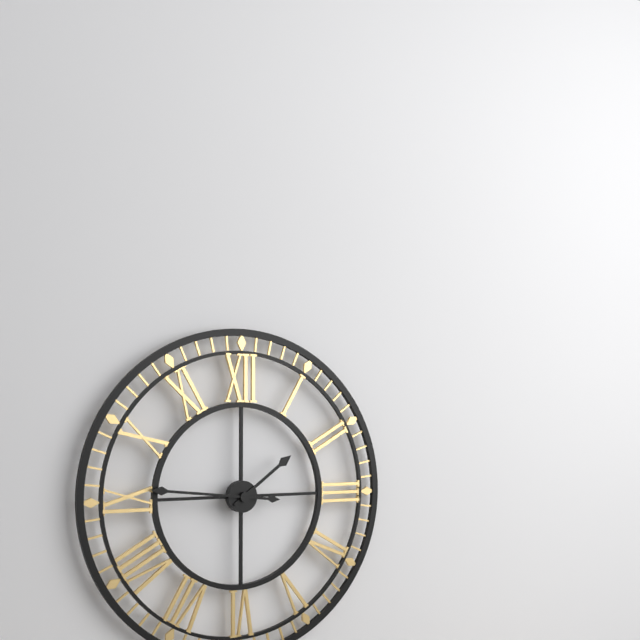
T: 1.46
